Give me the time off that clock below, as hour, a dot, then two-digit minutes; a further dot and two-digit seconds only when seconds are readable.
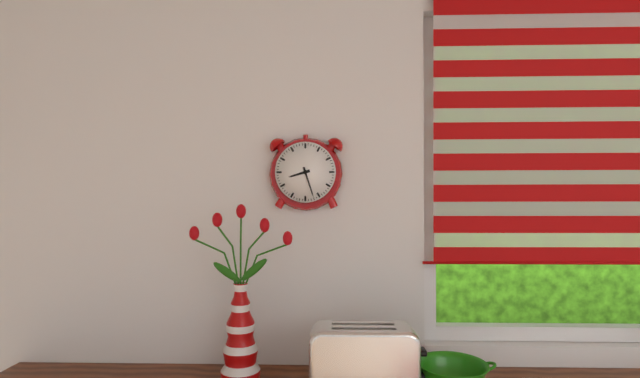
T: 8.27
